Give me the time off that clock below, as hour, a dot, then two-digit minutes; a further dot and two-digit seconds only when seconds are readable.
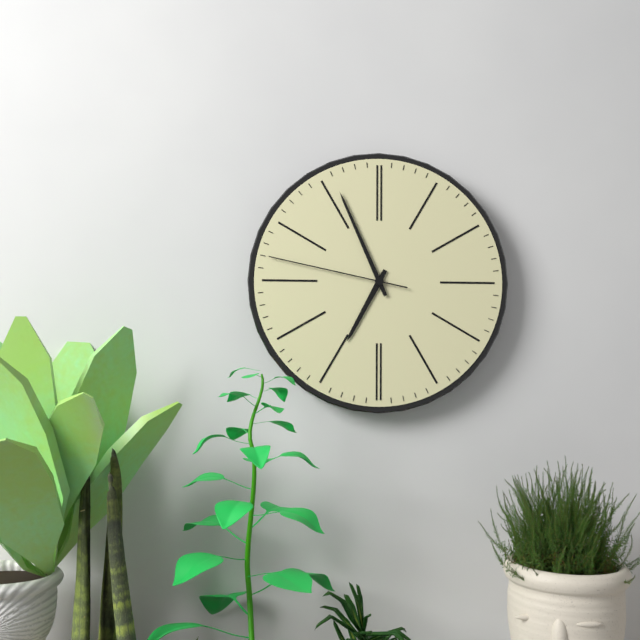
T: 6.56.47
